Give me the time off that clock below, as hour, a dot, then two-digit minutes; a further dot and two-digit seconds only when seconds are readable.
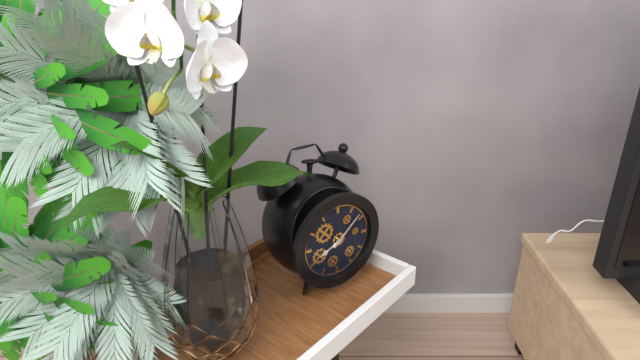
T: 8.08
